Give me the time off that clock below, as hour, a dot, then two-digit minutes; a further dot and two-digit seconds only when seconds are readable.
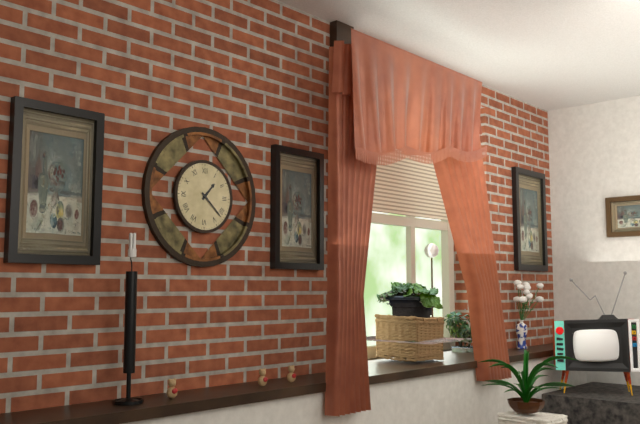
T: 1.22
